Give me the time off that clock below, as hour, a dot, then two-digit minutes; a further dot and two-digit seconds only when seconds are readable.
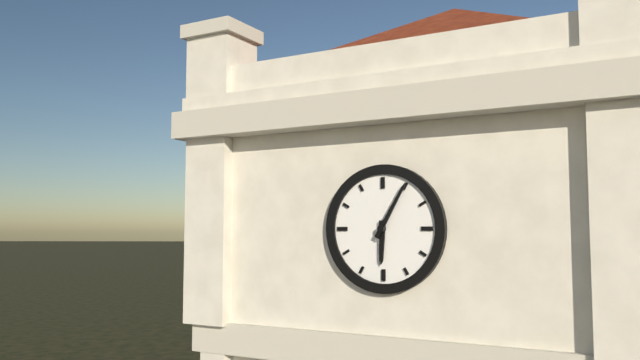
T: 6.05
